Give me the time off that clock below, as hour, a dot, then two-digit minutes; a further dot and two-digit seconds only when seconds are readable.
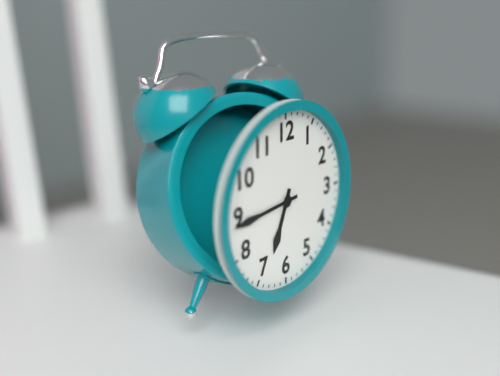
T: 6.44
